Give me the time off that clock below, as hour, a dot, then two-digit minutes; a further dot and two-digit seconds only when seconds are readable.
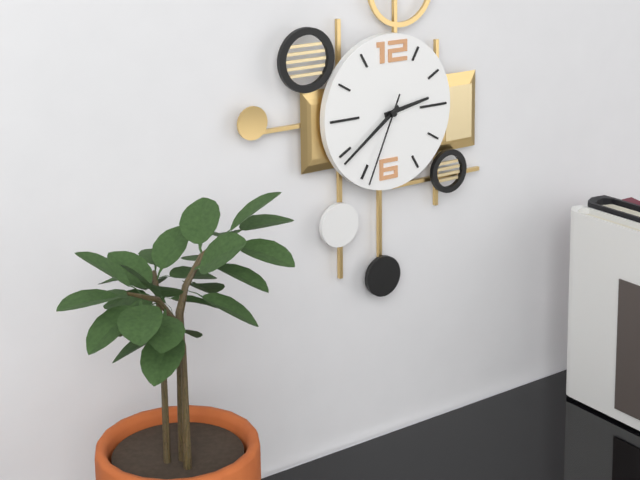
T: 2.39.34
